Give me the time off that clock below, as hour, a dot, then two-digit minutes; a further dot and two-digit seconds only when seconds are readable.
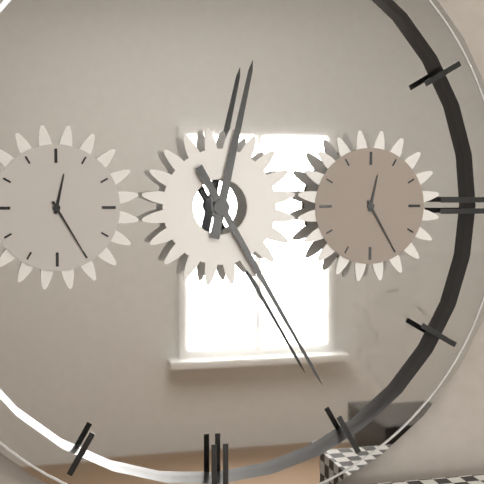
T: 12.25
